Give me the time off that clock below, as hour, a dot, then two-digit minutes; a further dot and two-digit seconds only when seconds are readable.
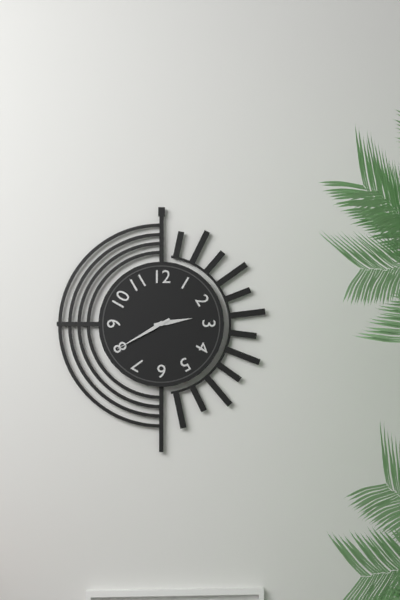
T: 2.40
